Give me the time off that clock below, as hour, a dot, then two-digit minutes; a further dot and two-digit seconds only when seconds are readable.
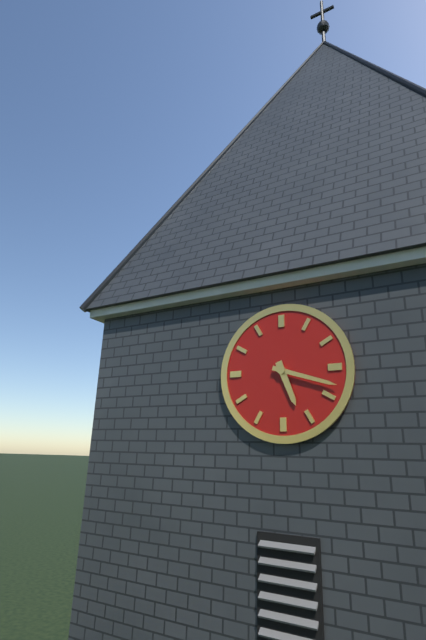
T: 5.18
